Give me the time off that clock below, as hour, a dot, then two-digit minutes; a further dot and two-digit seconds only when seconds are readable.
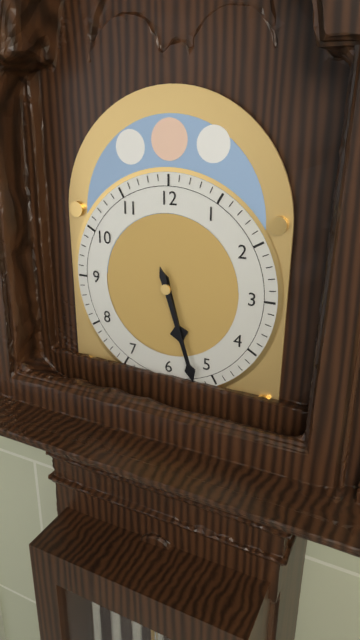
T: 5.27
